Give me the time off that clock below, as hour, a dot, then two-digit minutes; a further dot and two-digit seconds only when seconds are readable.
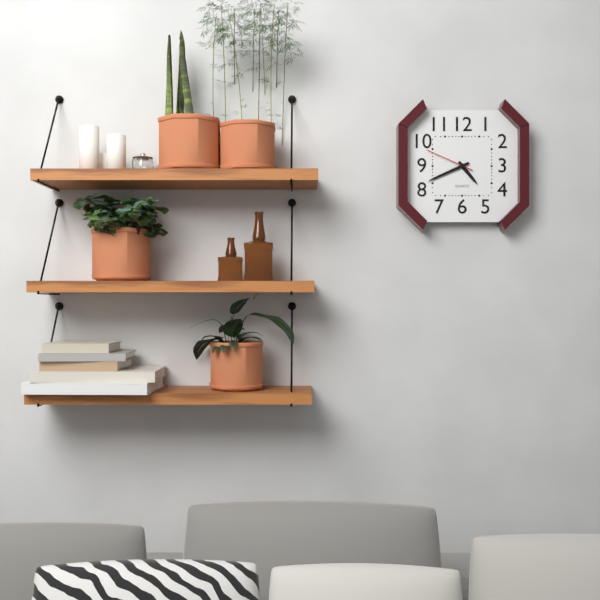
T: 4.41
